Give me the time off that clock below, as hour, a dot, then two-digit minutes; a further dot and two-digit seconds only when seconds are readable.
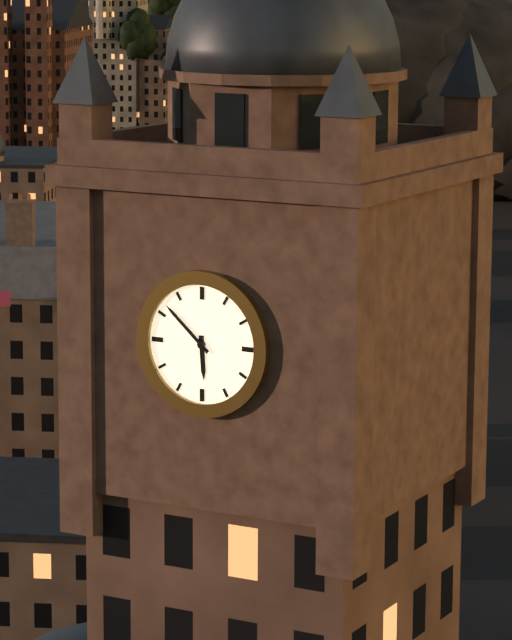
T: 5.52
